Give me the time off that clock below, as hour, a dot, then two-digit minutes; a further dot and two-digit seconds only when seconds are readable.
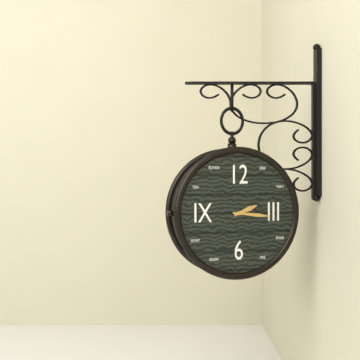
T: 2.16
